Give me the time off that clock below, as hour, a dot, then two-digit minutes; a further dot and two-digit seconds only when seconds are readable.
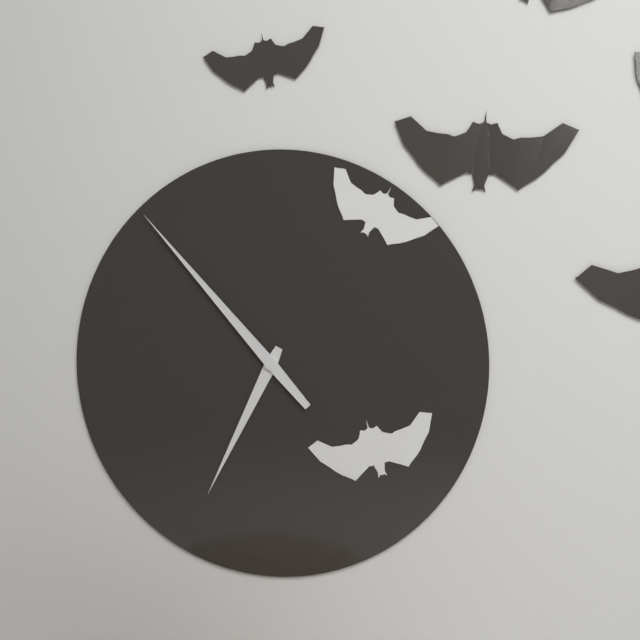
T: 6.53
